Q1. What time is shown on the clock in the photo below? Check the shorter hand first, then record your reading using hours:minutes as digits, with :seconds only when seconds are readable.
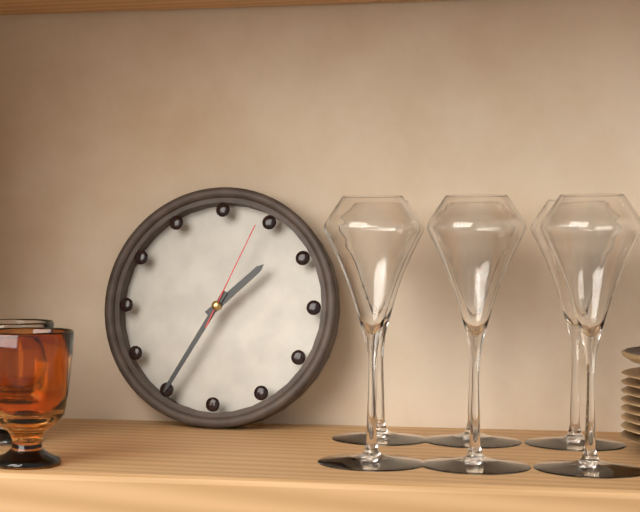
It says 1:35:04
